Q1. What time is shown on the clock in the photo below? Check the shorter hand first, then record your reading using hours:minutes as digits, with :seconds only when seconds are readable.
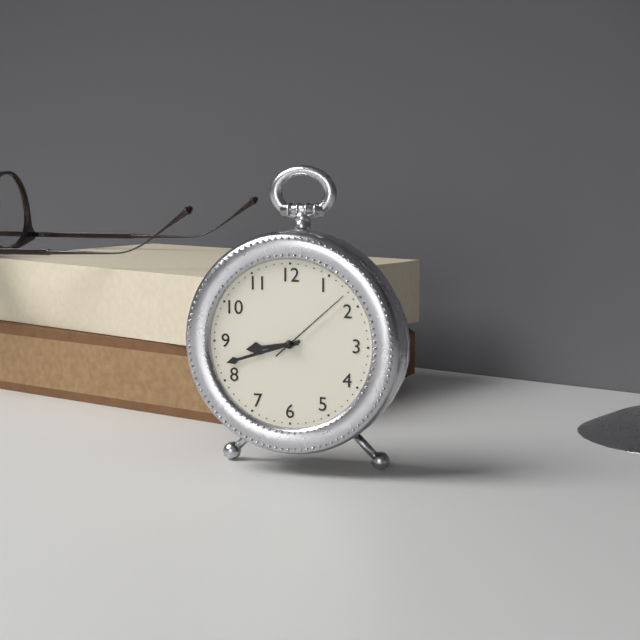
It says 8:42:08
